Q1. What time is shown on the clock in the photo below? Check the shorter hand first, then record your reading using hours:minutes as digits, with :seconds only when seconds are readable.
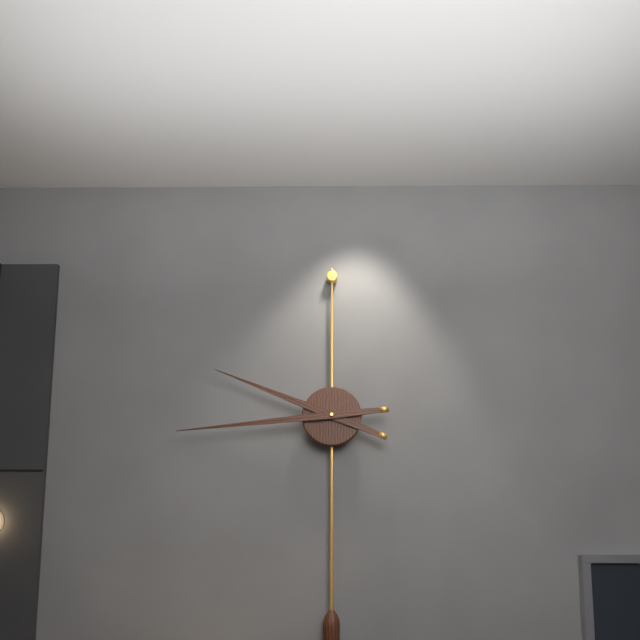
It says 9:44
